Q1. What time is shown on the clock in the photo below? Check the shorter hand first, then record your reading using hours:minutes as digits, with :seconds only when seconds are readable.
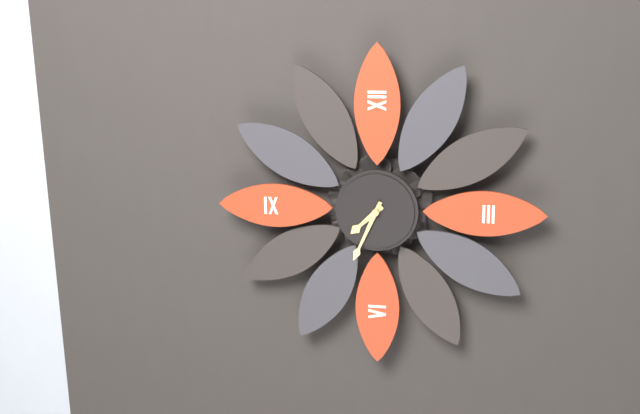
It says 7:34
